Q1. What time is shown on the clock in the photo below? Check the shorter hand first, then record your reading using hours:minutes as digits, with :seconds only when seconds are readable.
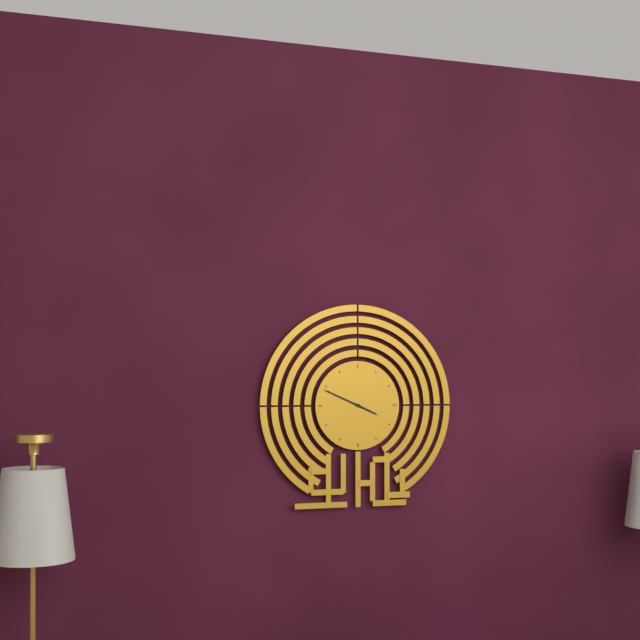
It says 3:49
